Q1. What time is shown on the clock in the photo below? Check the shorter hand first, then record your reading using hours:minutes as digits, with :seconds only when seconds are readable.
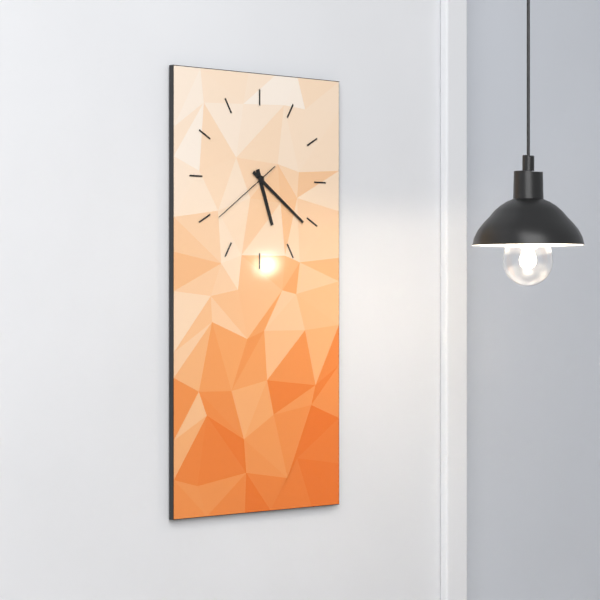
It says 5:21:39
